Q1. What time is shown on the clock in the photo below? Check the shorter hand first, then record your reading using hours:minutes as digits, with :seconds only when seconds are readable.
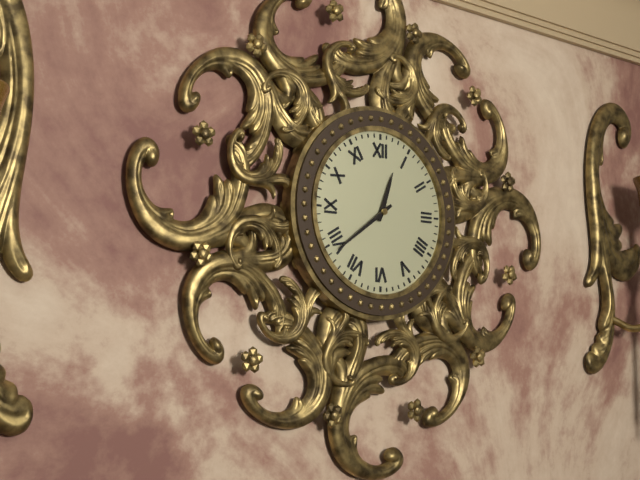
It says 12:39
